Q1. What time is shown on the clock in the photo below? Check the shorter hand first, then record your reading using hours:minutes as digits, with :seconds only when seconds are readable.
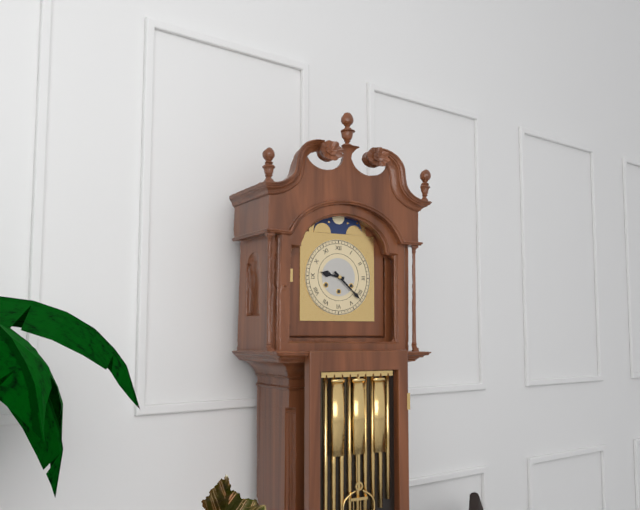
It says 9:22
